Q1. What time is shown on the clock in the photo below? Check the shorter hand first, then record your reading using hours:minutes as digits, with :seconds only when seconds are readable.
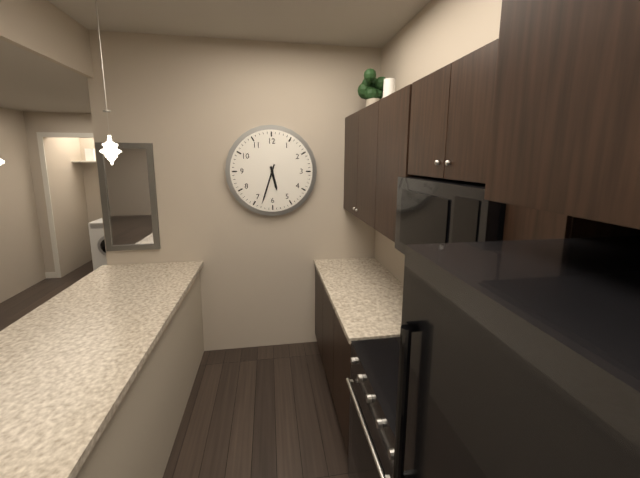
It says 5:33
